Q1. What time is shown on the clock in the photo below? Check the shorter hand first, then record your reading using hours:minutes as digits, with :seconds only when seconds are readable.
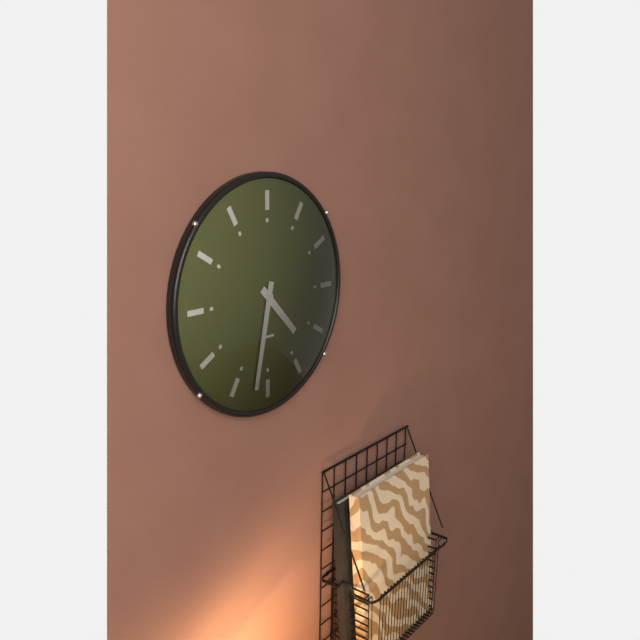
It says 4:32
